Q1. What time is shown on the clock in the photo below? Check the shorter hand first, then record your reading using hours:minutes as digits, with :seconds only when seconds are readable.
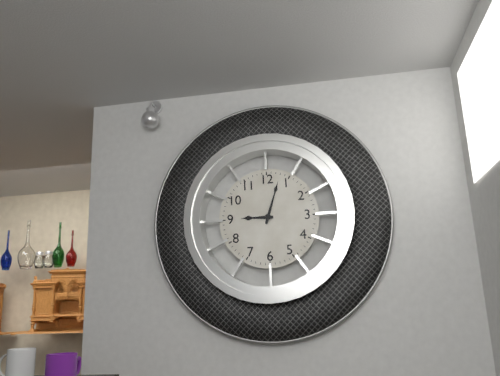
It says 9:03
